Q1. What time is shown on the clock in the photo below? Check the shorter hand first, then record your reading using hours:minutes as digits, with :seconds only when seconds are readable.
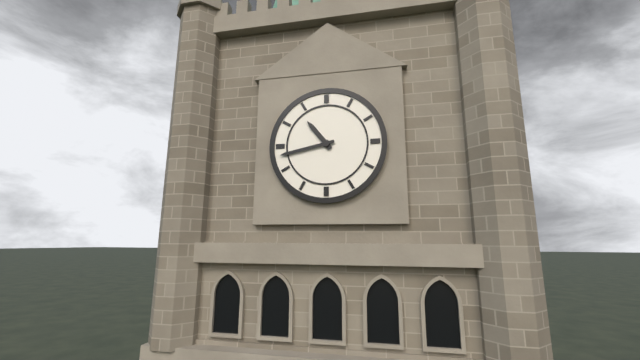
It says 10:43
